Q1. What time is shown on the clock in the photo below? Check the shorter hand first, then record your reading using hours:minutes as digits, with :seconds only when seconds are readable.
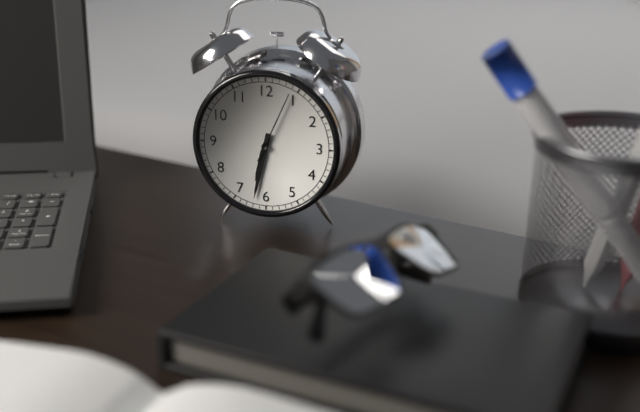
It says 6:32:04
